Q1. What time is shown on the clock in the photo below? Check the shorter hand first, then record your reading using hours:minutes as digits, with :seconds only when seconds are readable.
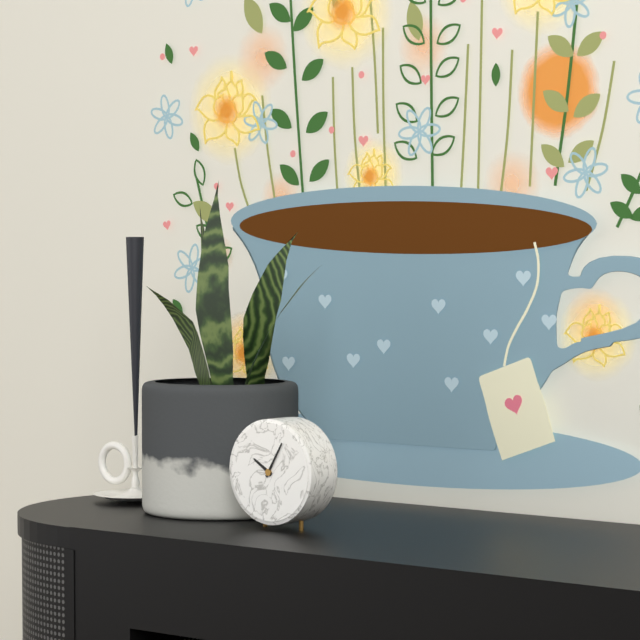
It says 10:05
